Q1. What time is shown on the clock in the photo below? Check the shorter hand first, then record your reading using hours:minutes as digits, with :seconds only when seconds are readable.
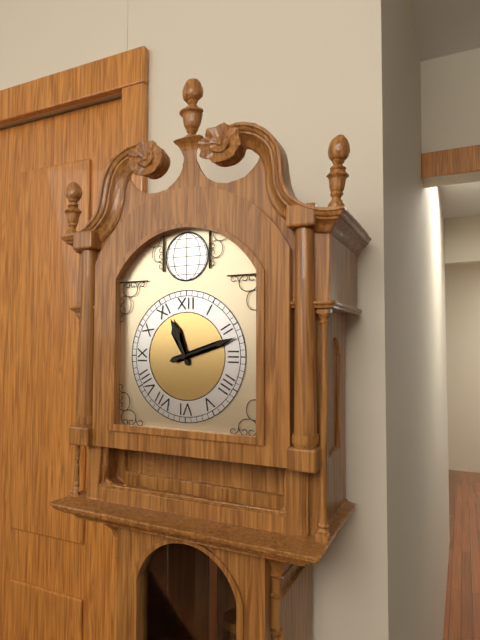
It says 11:12
